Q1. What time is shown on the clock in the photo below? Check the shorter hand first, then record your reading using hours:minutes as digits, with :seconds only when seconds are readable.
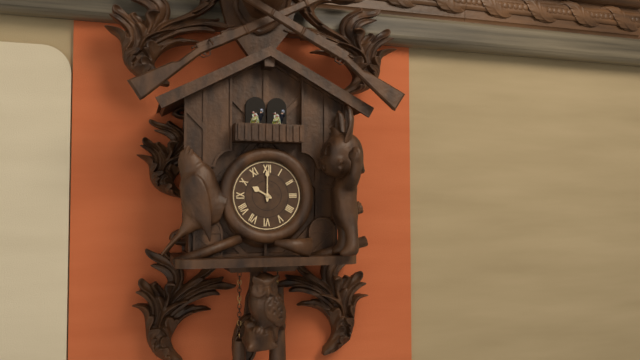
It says 10:00
